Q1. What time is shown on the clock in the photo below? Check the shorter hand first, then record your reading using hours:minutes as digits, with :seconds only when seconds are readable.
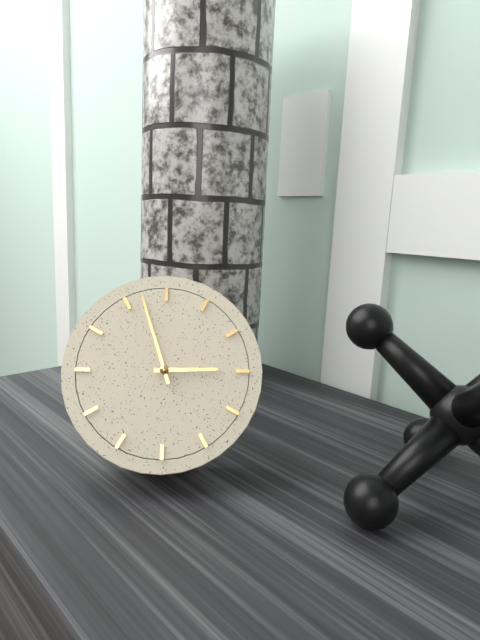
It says 2:57
